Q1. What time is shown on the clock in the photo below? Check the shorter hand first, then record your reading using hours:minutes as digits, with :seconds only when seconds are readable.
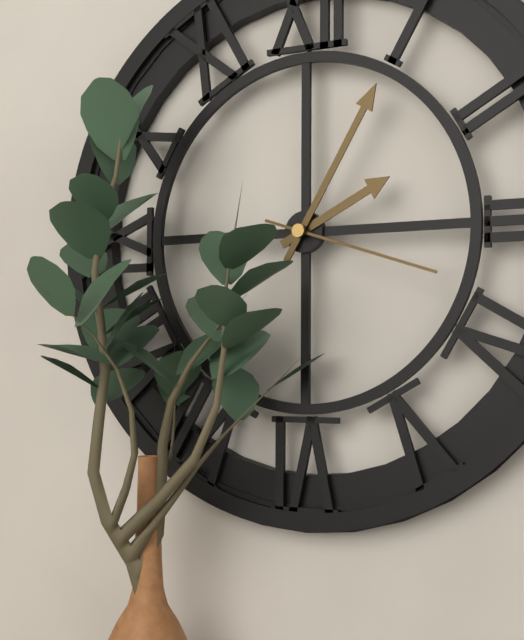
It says 2:05:18
